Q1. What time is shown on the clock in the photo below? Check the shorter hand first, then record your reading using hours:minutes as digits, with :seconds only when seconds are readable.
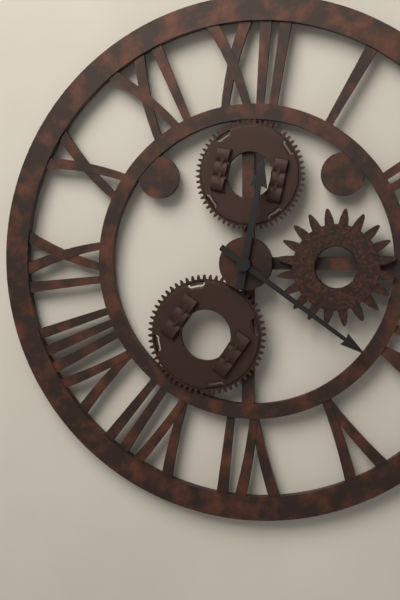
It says 12:21
